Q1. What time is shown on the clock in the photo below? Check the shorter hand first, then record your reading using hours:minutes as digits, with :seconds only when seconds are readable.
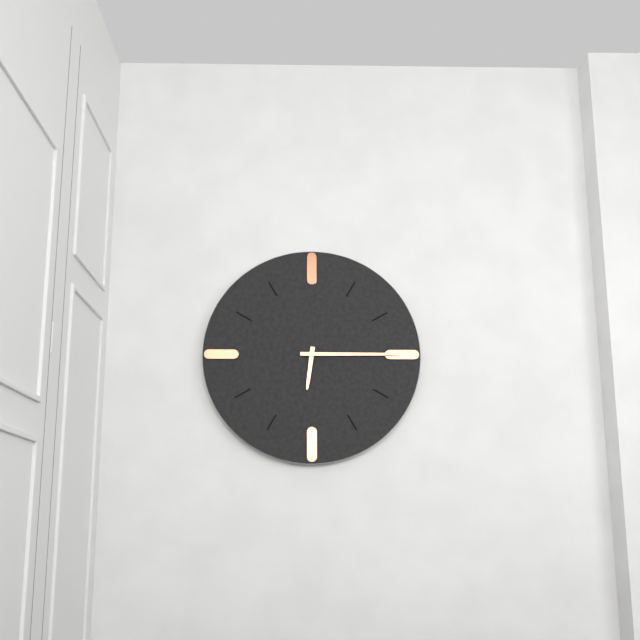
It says 6:15
